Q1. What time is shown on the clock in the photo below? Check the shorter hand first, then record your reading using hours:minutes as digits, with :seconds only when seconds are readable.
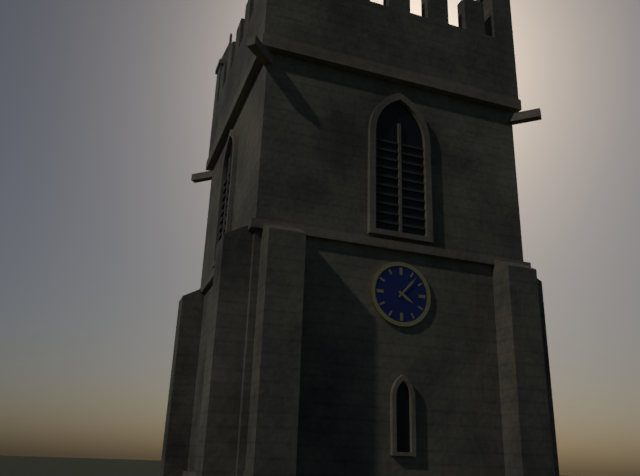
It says 4:07
